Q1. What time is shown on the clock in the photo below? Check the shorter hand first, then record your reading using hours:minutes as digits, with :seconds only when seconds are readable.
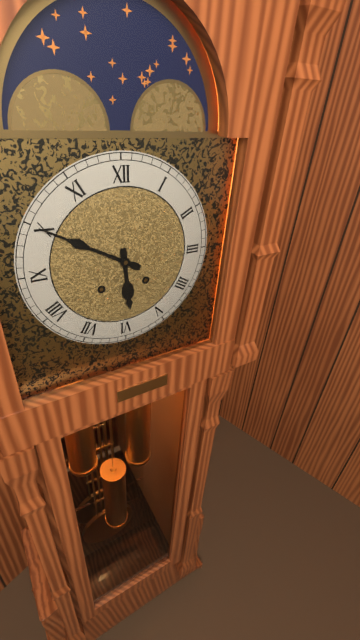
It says 5:50
